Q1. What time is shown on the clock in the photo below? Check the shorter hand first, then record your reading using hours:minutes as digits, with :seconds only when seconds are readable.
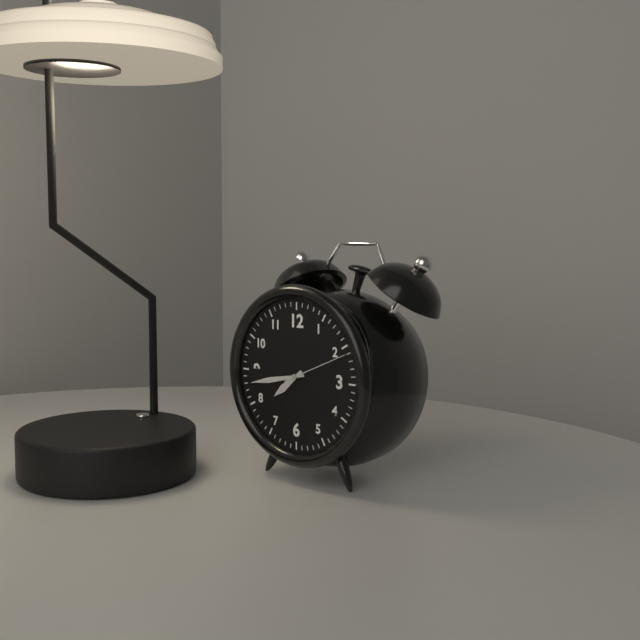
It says 7:43:11
